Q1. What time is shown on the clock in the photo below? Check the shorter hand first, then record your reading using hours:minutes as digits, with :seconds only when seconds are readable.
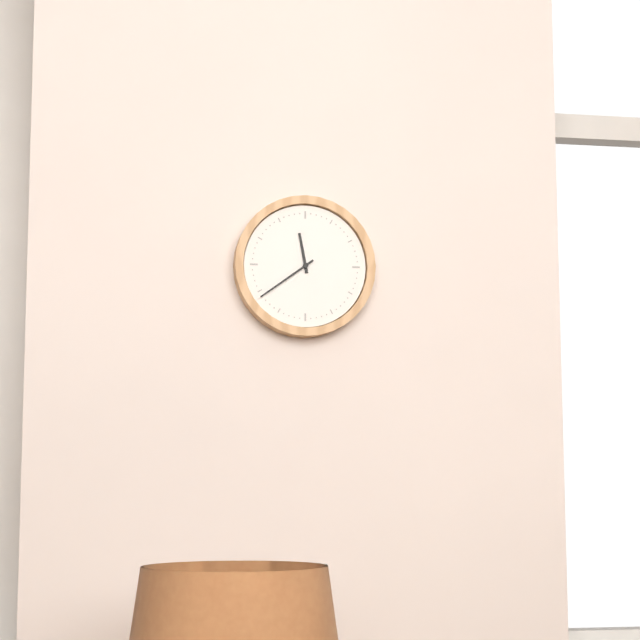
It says 11:39
